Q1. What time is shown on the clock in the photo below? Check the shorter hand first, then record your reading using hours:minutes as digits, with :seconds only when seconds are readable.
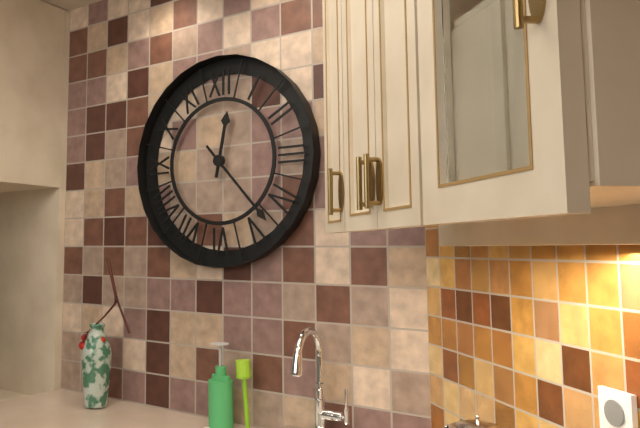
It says 12:23
